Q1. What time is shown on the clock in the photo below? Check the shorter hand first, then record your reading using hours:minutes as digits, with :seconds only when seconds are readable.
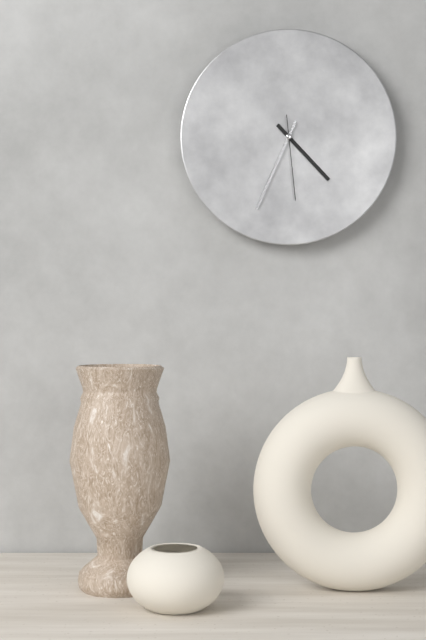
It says 4:34:29
